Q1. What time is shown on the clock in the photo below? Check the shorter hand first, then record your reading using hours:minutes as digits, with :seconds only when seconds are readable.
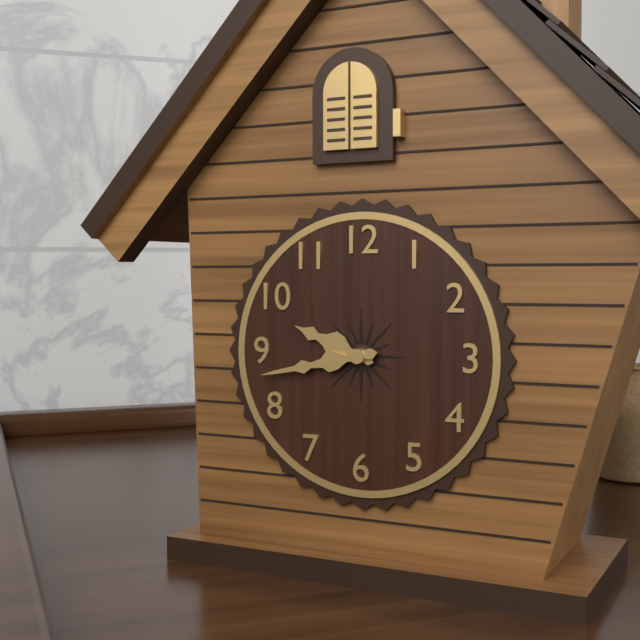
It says 9:43
